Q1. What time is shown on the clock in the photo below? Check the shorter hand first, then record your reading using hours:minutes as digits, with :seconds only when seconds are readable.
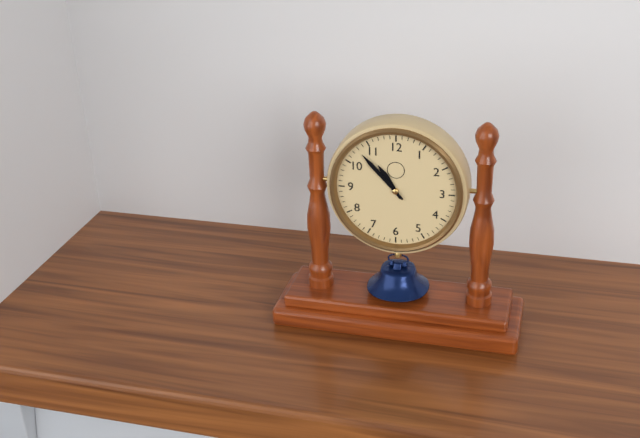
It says 10:53
